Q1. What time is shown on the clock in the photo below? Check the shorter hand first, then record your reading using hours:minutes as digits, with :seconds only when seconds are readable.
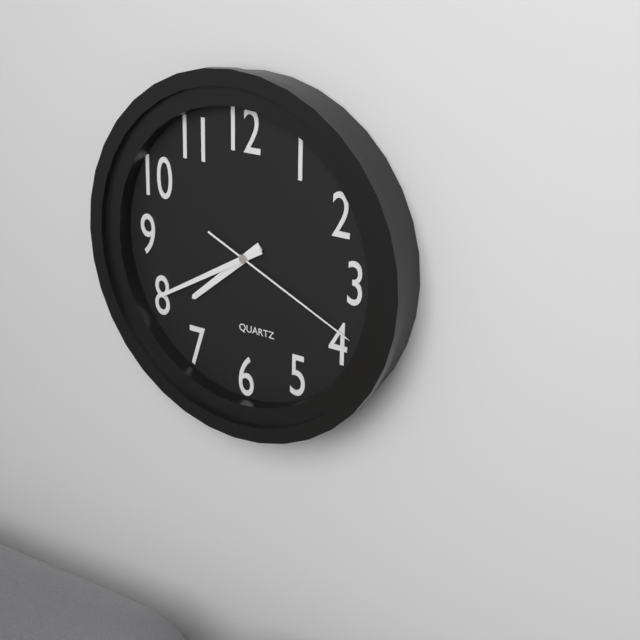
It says 7:40:19
